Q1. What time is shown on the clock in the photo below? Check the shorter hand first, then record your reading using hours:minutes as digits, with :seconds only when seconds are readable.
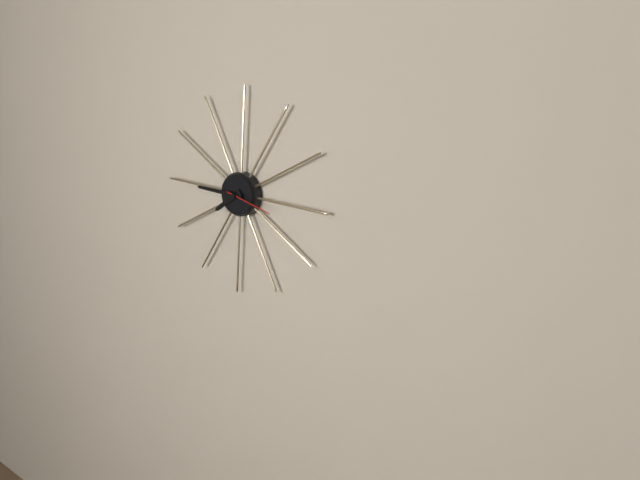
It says 7:45
